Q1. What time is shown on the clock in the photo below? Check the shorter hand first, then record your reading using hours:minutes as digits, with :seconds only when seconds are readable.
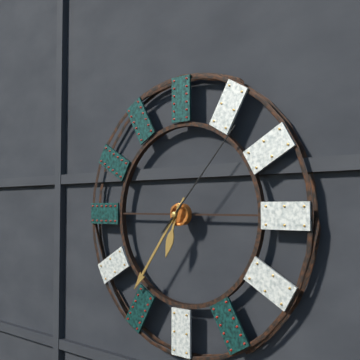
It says 6:36:07
